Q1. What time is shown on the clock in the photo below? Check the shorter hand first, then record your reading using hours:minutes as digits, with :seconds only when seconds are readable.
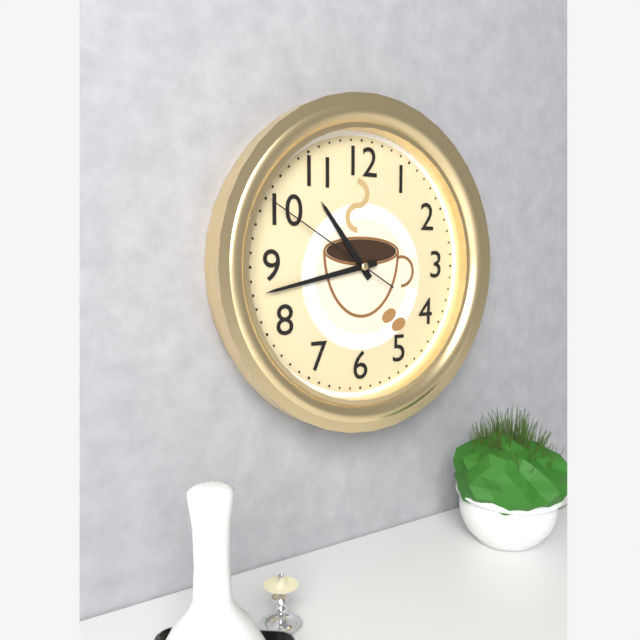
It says 10:43:50
